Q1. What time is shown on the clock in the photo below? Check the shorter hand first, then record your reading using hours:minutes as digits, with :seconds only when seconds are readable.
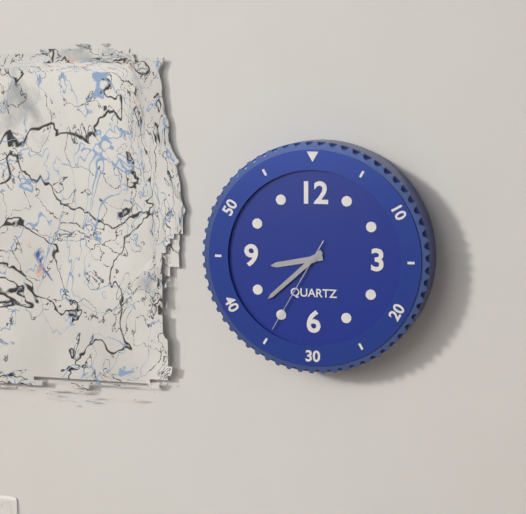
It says 8:38:35
